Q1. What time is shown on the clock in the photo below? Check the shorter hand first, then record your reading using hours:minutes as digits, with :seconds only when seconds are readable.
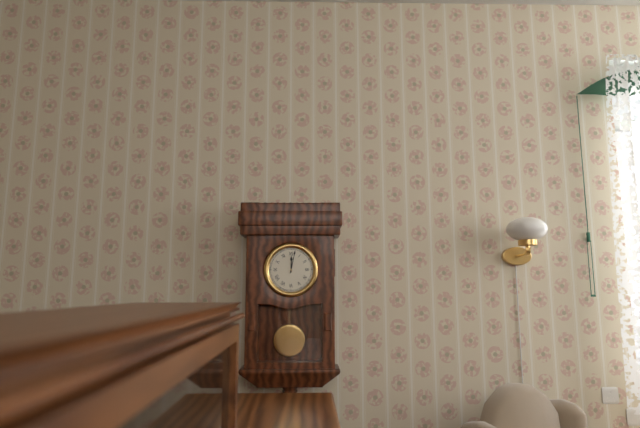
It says 12:02
